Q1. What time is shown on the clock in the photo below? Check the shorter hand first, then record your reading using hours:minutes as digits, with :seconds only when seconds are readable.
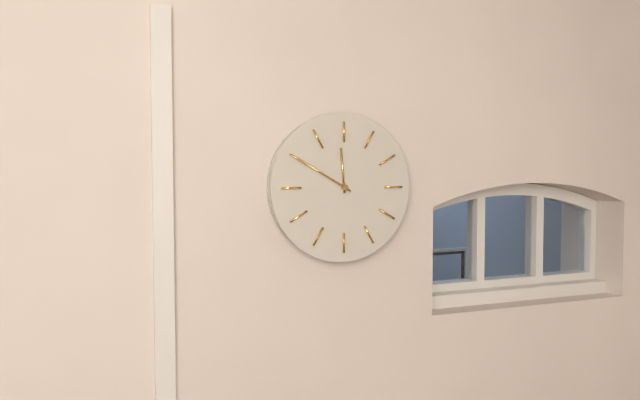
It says 11:50
